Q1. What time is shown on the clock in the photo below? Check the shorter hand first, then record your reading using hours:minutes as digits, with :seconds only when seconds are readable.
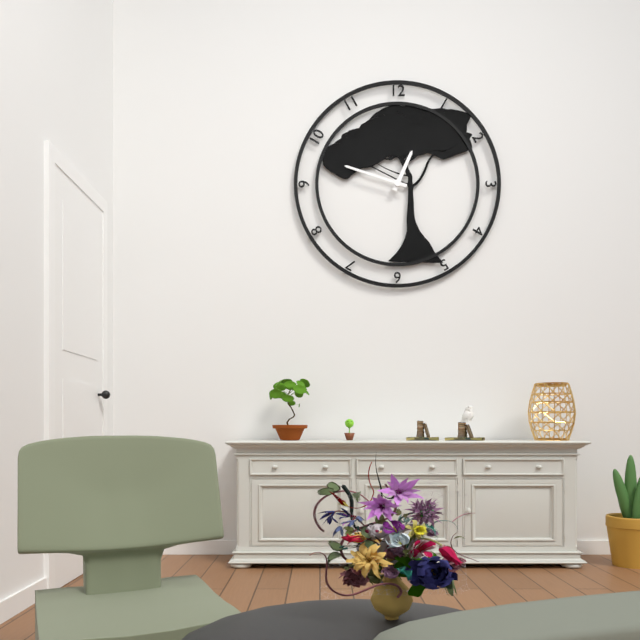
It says 12:48
